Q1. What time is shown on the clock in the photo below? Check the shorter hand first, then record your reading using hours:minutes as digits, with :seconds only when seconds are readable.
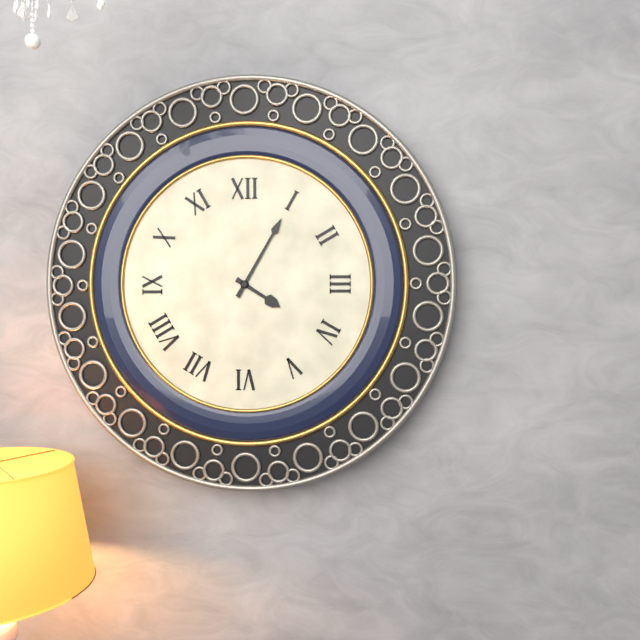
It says 4:05
